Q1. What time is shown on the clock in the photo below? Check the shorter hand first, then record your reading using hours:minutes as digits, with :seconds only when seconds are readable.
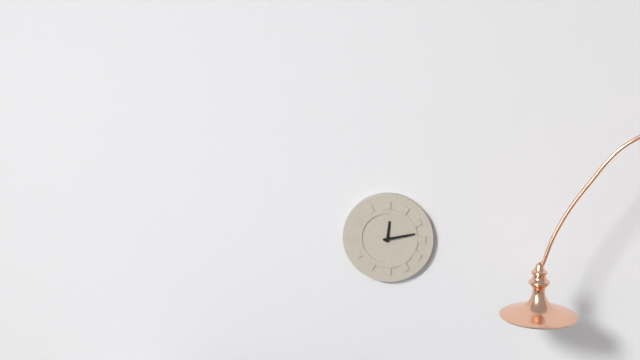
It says 12:13
